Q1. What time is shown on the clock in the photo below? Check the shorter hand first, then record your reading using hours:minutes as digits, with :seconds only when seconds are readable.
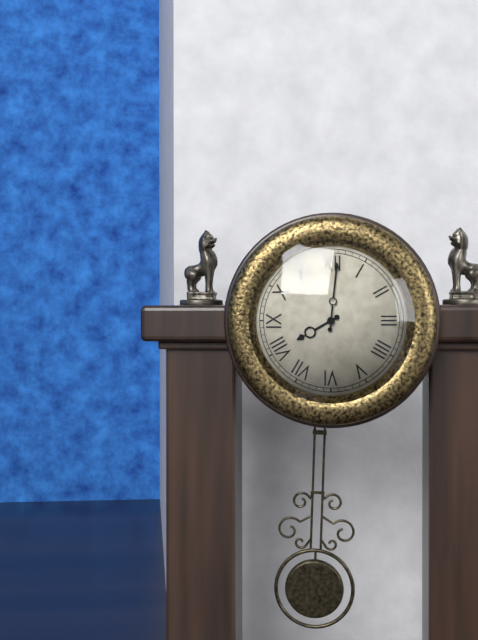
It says 8:01
